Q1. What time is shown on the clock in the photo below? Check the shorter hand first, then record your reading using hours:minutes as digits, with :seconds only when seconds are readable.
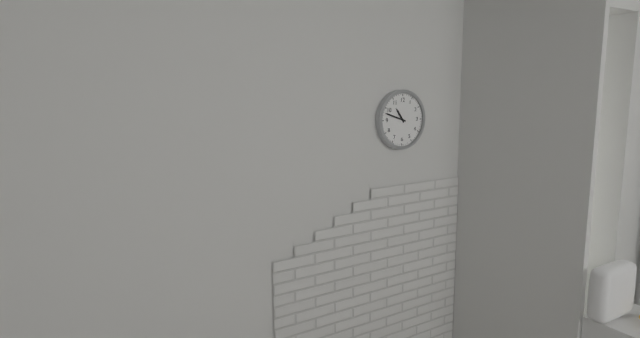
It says 10:48
